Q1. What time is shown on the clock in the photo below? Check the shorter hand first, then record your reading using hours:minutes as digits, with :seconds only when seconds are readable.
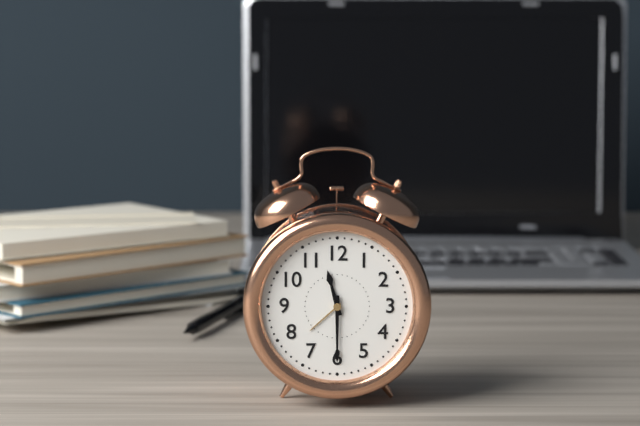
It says 11:30
